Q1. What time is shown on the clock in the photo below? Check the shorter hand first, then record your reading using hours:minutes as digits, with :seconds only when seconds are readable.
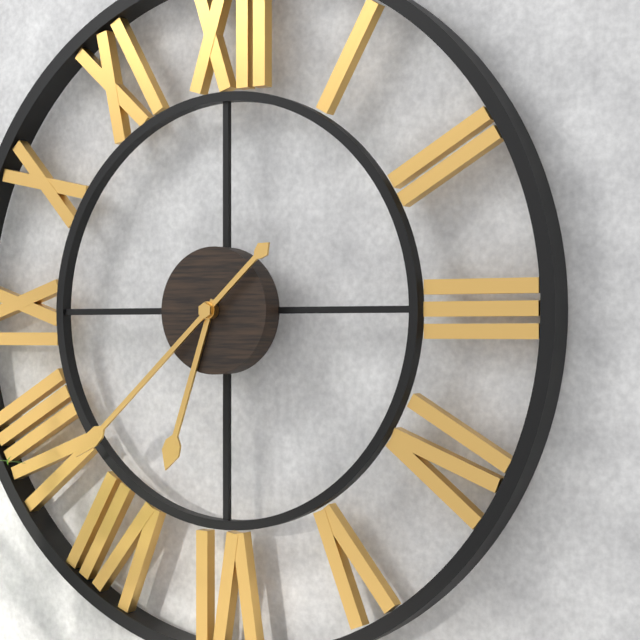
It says 6:38
